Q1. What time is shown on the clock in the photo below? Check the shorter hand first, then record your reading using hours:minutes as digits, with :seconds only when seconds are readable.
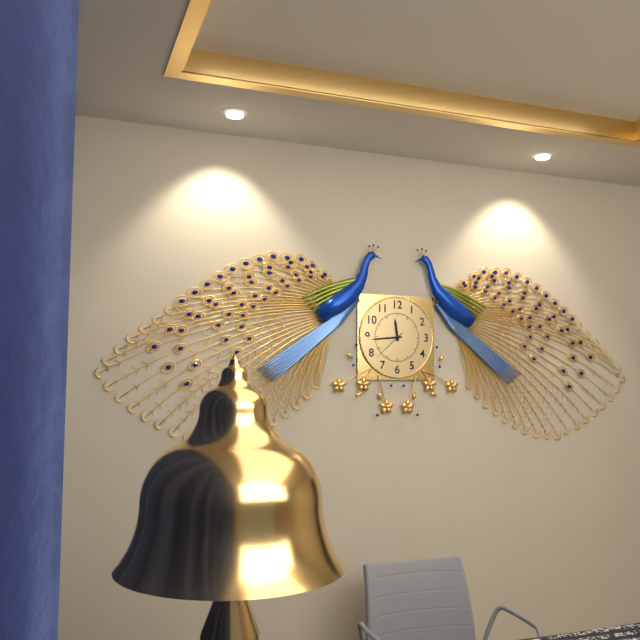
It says 11:44
